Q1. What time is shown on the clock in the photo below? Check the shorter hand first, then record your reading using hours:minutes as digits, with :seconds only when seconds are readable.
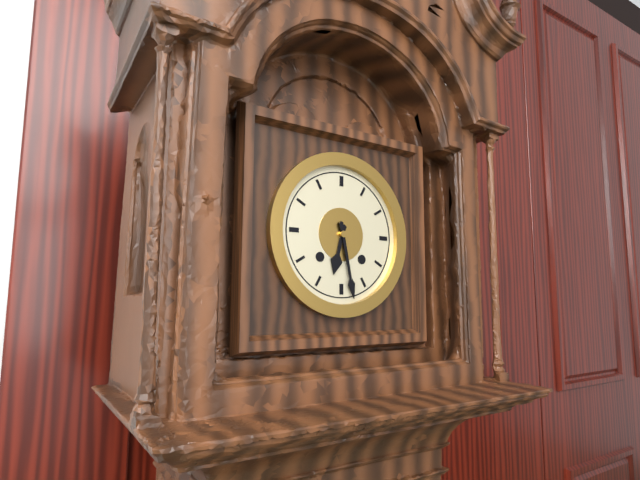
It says 6:28
